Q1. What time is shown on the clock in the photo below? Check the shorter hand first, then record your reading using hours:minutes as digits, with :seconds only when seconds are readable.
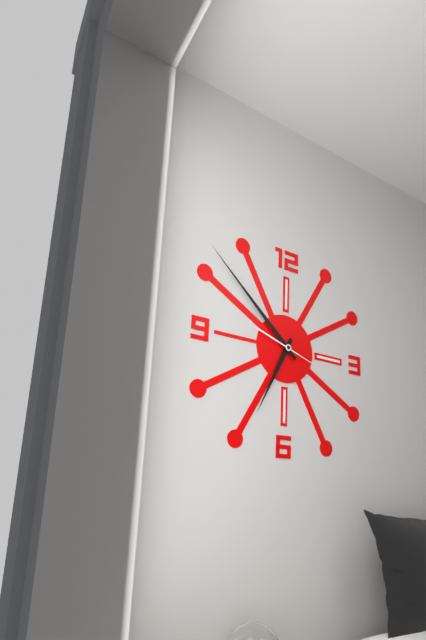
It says 6:52:18
